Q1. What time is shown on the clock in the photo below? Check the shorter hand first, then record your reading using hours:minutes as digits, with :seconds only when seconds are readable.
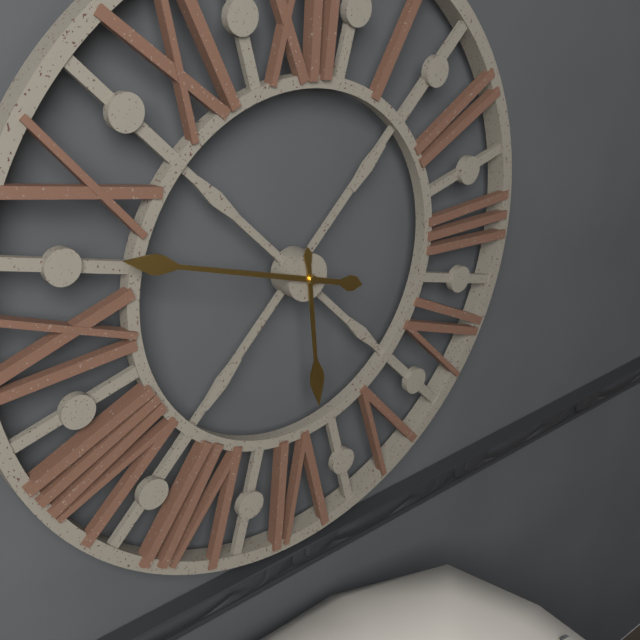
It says 5:48
